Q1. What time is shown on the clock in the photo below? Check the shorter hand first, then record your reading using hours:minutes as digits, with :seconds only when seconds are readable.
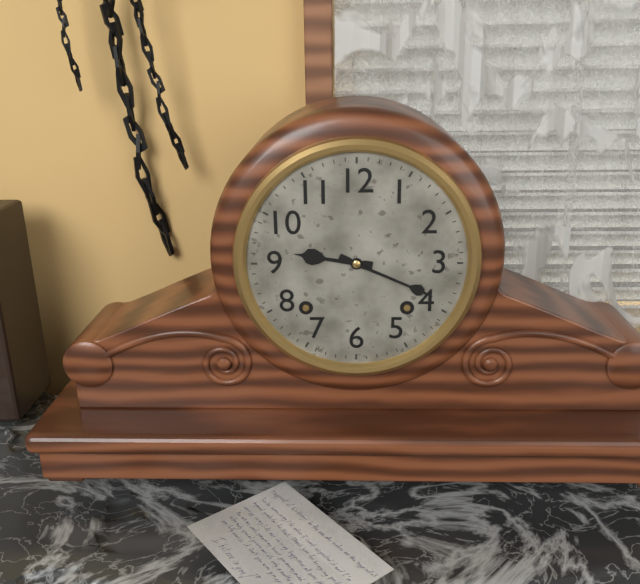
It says 9:19
